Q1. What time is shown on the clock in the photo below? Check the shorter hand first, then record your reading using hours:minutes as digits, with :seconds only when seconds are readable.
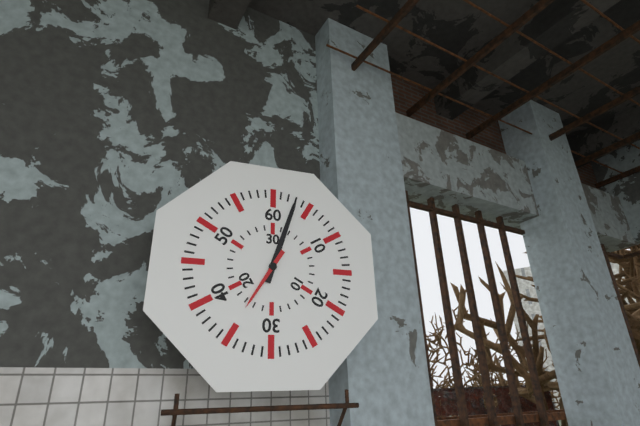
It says 7:03
